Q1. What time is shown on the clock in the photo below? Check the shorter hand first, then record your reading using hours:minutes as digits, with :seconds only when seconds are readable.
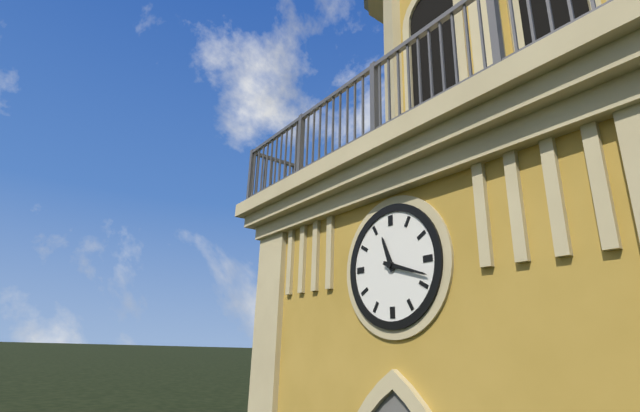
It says 11:18
